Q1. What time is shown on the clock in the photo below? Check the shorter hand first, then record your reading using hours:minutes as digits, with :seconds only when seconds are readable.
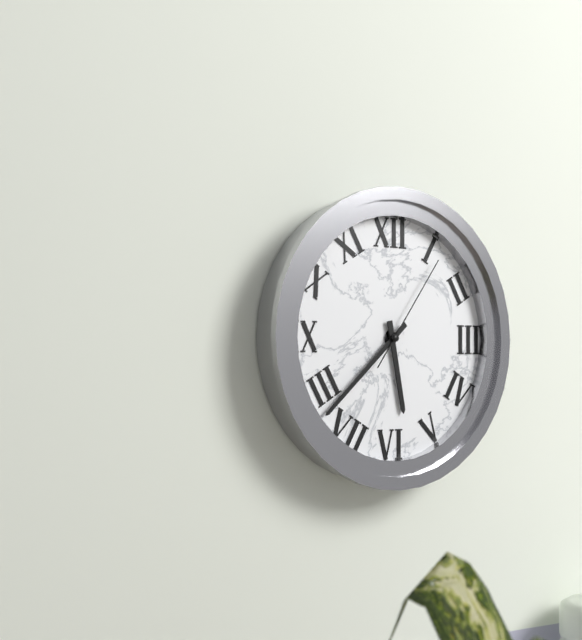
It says 5:38:06
